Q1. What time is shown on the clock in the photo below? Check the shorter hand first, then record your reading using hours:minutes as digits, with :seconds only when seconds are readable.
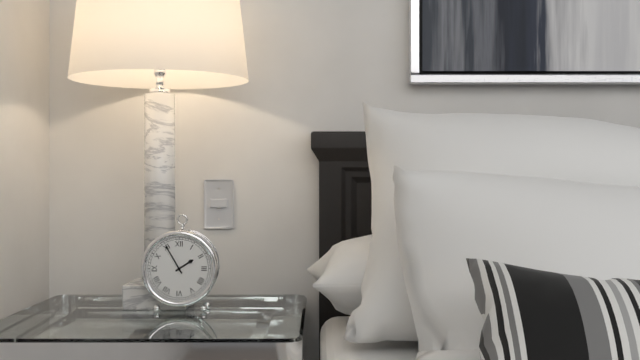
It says 1:55
